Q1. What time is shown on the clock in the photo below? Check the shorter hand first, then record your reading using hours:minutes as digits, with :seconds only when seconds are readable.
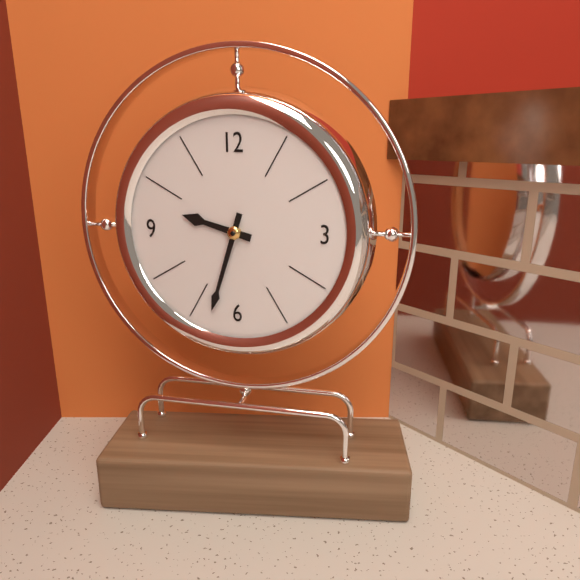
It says 9:33
